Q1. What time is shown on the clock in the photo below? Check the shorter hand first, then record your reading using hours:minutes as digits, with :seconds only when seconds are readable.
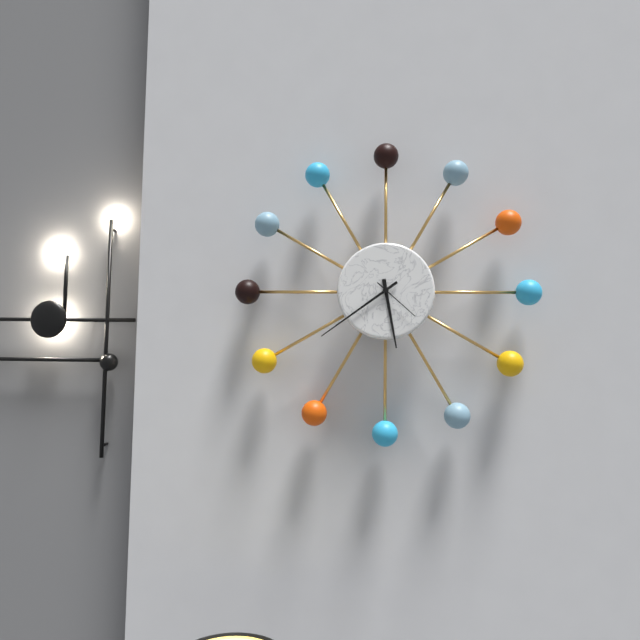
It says 5:39
